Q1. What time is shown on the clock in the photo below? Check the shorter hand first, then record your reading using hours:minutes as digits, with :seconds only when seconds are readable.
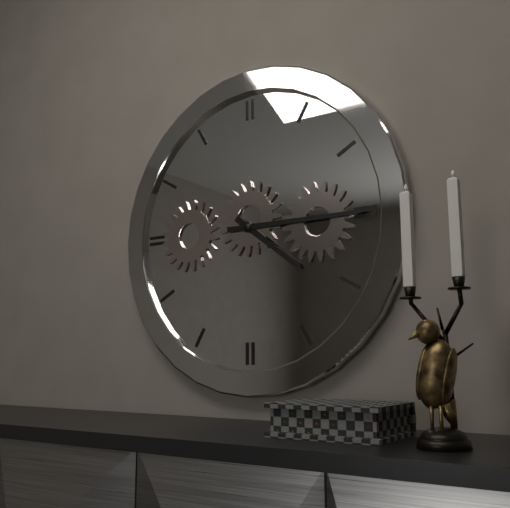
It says 4:15
